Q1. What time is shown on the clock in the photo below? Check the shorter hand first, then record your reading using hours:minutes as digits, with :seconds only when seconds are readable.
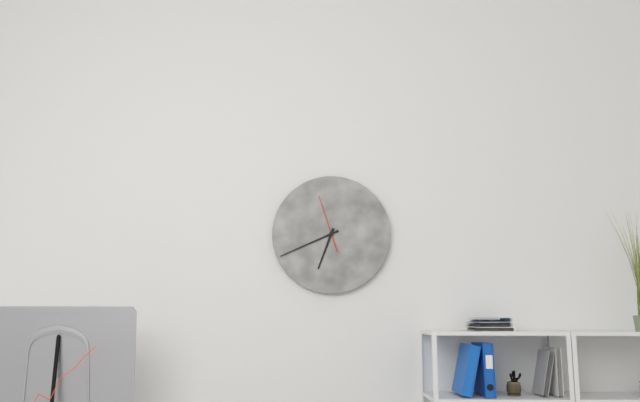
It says 6:41:57
